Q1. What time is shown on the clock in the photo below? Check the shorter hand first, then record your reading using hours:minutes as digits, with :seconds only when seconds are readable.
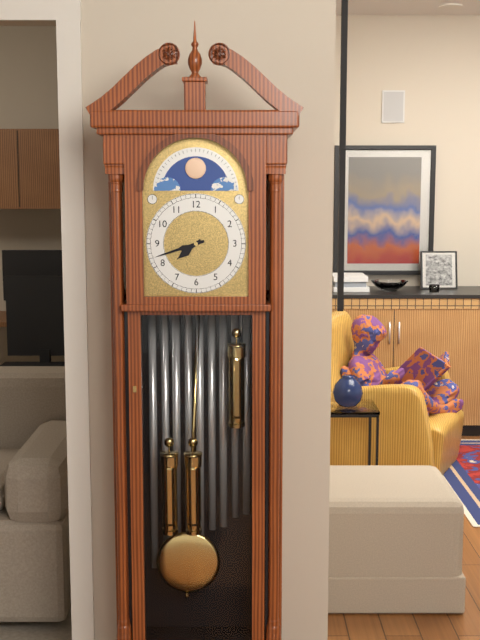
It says 7:42
